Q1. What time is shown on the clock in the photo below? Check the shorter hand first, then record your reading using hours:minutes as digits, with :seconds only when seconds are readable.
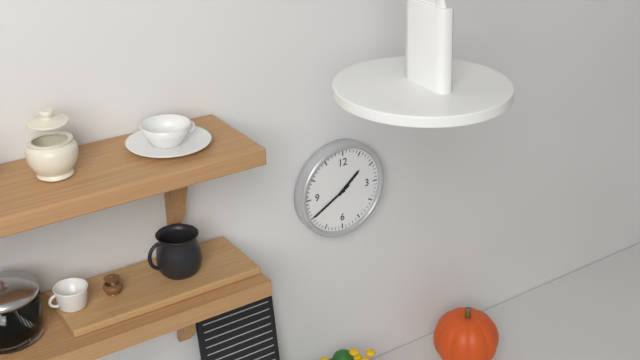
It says 1:40
